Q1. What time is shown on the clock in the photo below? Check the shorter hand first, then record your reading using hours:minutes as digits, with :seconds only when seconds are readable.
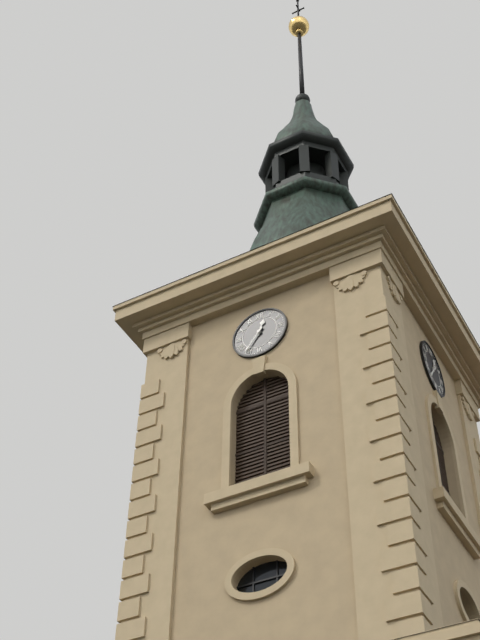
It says 12:36
